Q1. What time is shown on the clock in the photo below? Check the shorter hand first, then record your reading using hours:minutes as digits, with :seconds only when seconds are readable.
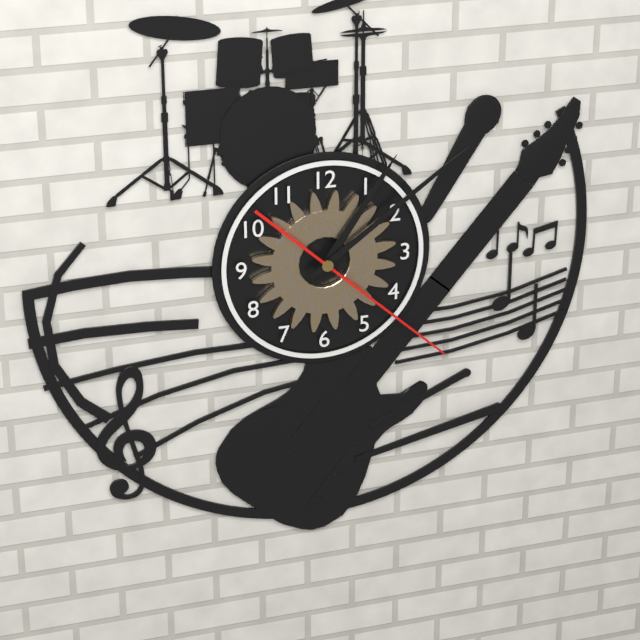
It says 1:09:22
